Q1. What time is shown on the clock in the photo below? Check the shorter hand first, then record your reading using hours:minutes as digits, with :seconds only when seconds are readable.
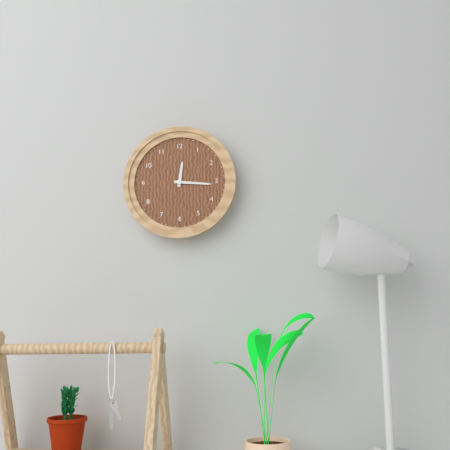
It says 12:16
